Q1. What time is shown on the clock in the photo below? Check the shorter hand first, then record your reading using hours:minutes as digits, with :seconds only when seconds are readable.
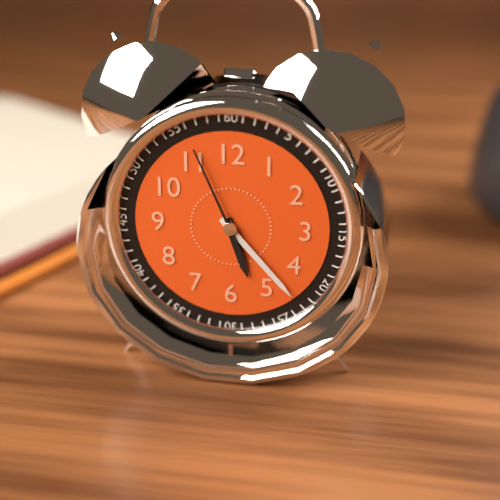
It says 5:23:56
